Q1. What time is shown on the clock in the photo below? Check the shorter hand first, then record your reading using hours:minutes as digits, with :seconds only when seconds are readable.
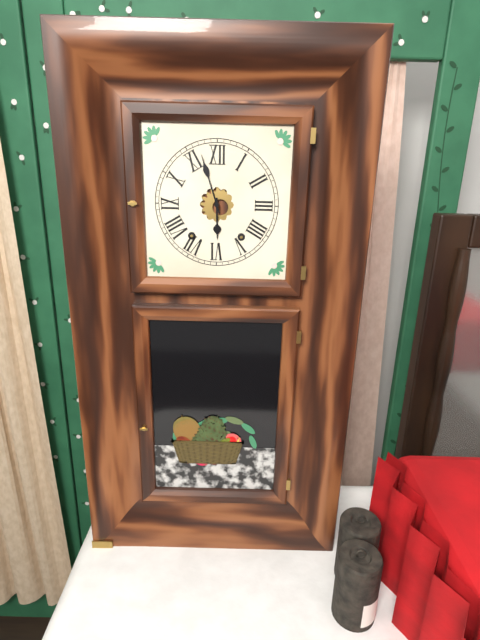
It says 5:57
